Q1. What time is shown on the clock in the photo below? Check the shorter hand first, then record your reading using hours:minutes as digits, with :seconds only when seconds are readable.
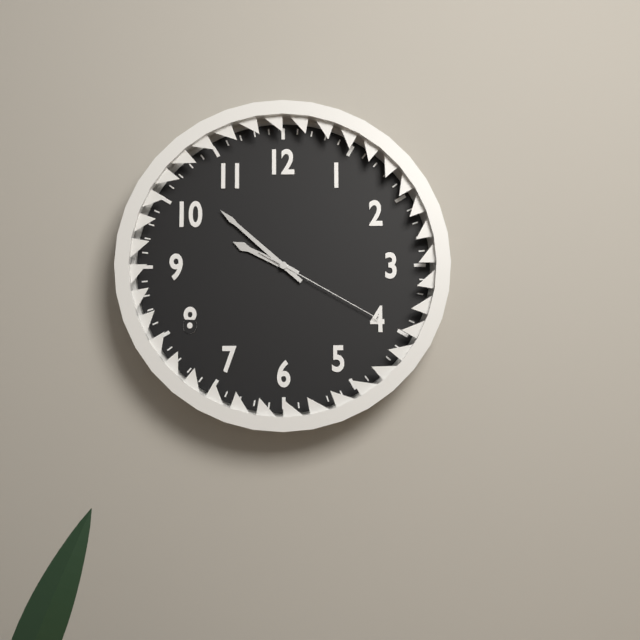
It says 9:52:20
